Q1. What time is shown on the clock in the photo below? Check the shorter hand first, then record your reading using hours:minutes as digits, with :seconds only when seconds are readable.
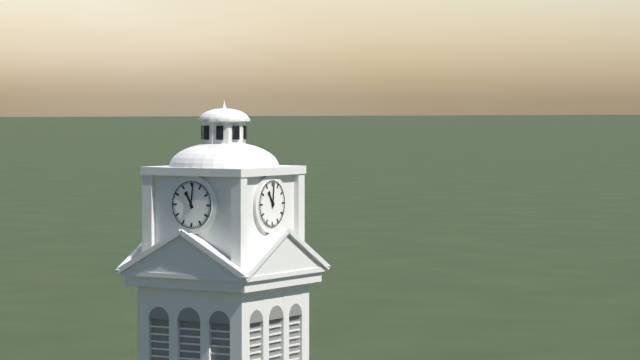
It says 11:01
